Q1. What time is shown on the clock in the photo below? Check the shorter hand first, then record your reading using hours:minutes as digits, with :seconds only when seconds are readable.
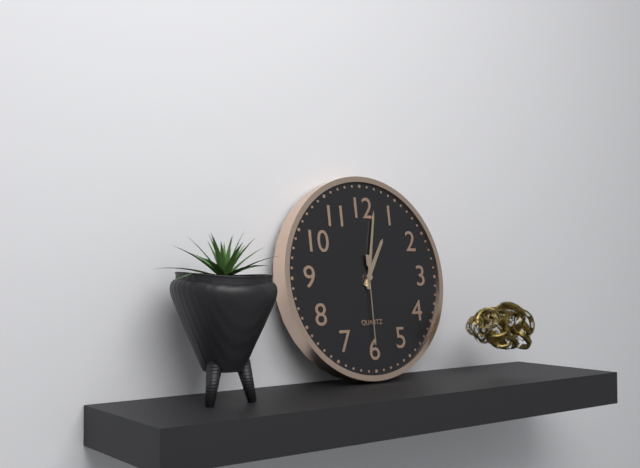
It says 1:02:30
